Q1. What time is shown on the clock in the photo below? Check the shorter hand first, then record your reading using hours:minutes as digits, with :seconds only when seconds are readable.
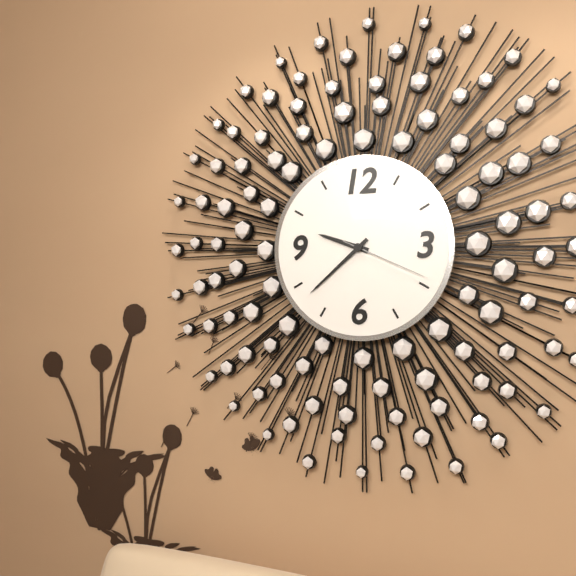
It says 9:38:19
